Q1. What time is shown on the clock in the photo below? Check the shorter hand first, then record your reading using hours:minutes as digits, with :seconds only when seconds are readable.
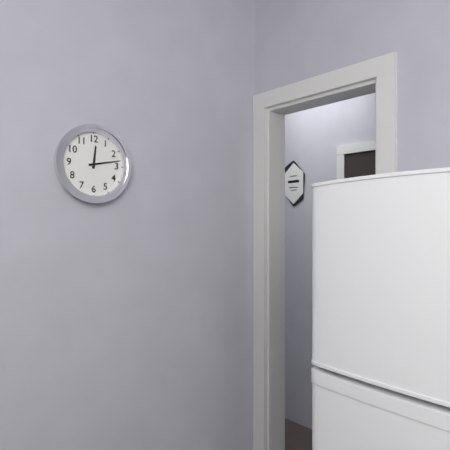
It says 12:13
